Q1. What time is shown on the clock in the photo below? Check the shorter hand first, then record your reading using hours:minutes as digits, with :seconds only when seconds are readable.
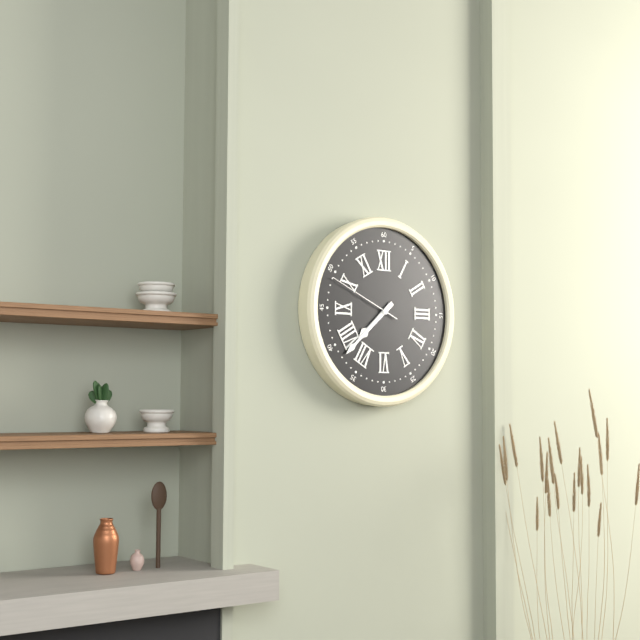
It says 7:38:49
